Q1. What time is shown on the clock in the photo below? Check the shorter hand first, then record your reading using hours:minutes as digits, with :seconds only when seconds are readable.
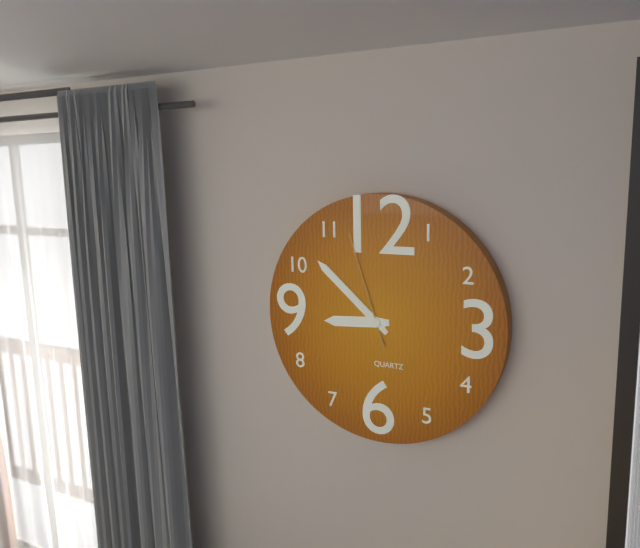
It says 8:52:57
